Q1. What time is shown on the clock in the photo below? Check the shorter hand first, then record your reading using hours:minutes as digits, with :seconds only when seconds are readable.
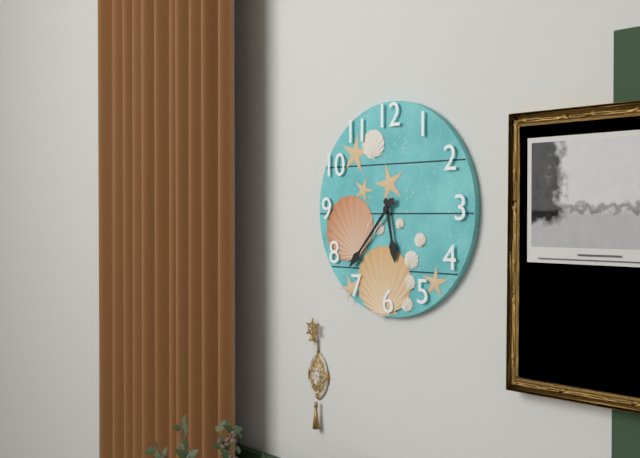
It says 5:37
